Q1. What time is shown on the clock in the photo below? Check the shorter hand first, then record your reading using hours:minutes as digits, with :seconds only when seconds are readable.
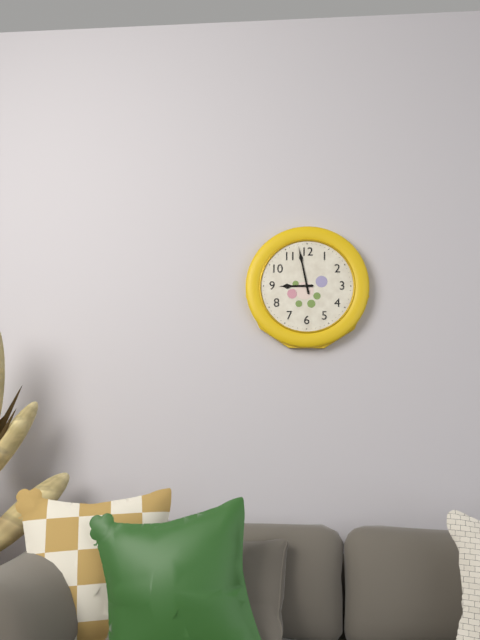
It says 8:58
